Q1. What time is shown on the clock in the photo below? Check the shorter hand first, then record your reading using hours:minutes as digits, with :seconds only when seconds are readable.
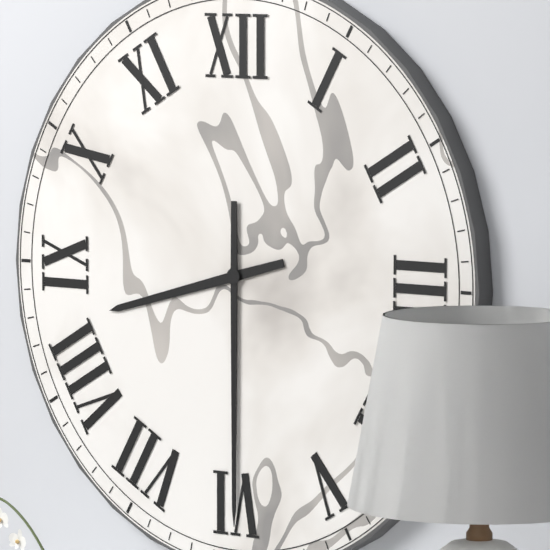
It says 8:30
